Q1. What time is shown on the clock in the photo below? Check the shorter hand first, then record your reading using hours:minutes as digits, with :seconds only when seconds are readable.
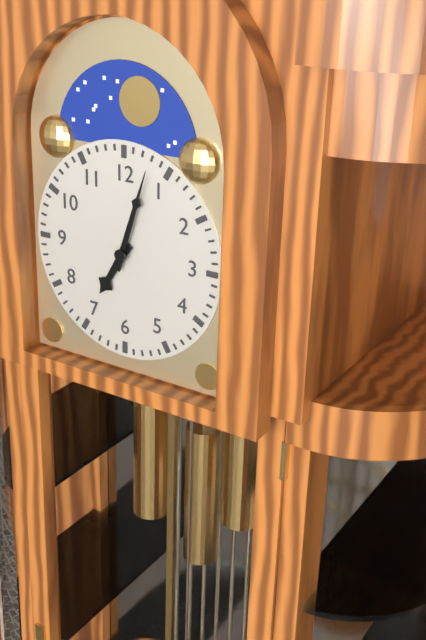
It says 7:03
